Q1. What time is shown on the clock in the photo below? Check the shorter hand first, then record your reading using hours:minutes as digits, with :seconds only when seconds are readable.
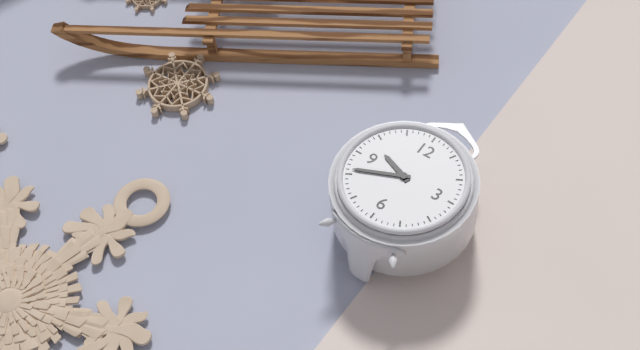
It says 9:41
